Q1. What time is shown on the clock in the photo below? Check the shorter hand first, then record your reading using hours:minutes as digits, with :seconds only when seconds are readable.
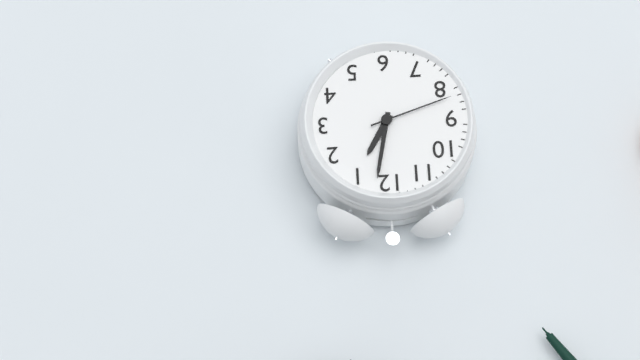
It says 1:02:42
